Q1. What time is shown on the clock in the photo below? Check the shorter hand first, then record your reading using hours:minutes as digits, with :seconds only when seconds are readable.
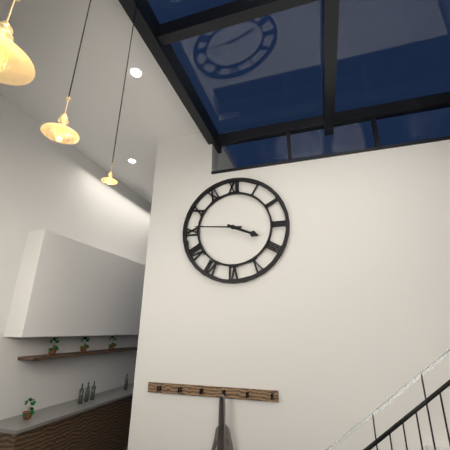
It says 3:46
